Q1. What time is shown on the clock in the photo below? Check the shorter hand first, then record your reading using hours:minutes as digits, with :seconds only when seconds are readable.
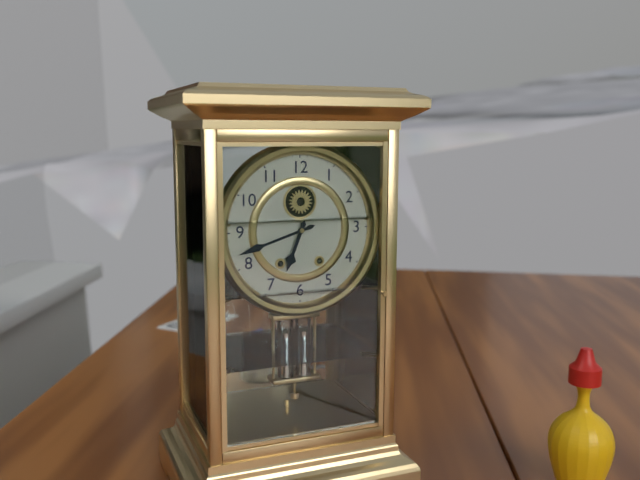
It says 6:42
